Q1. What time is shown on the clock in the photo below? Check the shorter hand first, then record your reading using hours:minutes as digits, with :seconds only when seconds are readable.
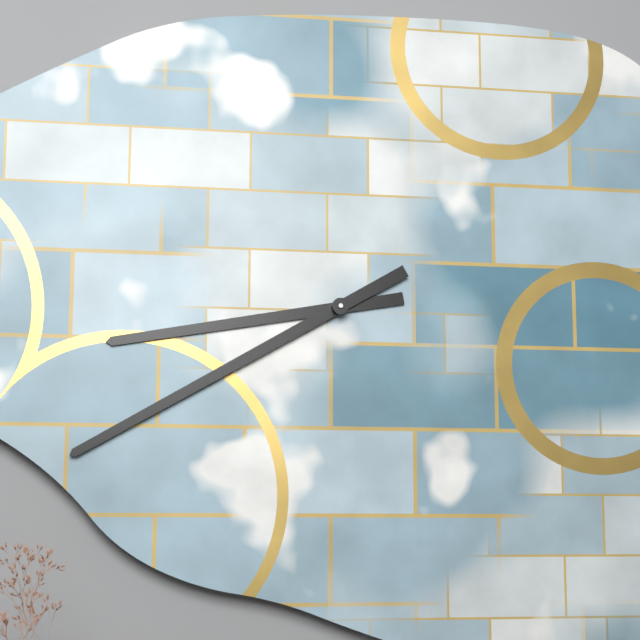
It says 8:40
